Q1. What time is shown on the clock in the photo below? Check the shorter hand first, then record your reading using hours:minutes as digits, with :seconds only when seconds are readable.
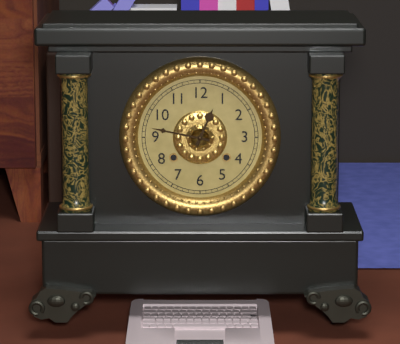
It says 12:47
